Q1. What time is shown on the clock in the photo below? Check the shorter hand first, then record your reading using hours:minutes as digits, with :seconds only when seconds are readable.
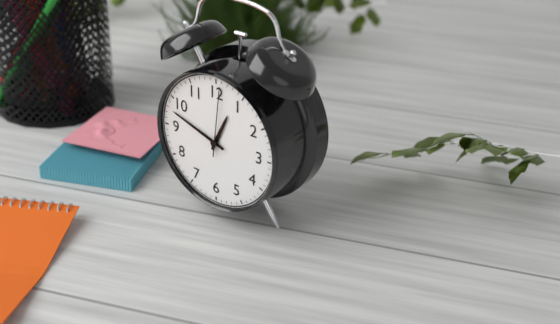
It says 12:48:01
